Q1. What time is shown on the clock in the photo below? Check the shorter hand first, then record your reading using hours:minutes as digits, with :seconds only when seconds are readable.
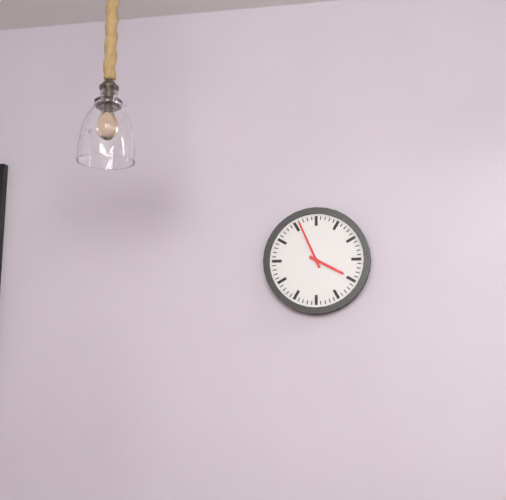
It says 3:56
